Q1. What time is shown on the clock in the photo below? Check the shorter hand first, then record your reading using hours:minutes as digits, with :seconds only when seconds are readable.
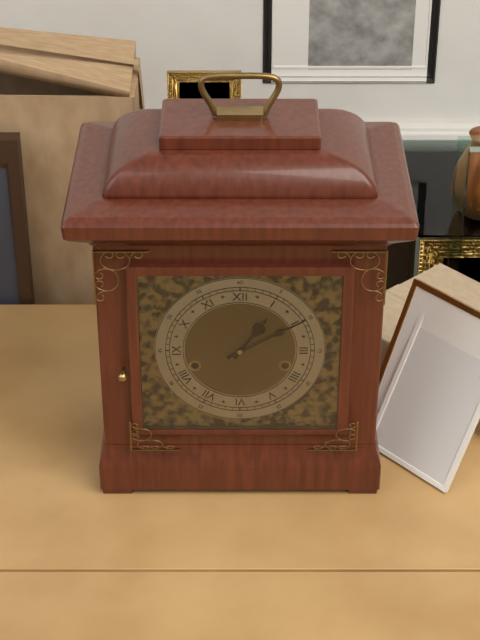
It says 1:10
